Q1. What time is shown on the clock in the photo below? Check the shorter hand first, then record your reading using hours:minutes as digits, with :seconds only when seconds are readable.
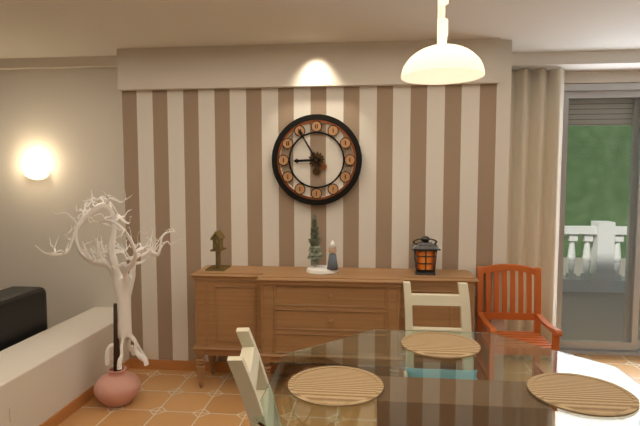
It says 8:55
